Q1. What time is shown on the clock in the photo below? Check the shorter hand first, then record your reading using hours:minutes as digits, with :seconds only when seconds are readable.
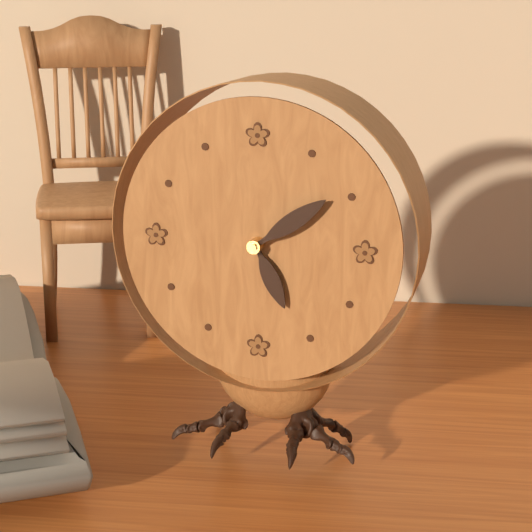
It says 5:09
